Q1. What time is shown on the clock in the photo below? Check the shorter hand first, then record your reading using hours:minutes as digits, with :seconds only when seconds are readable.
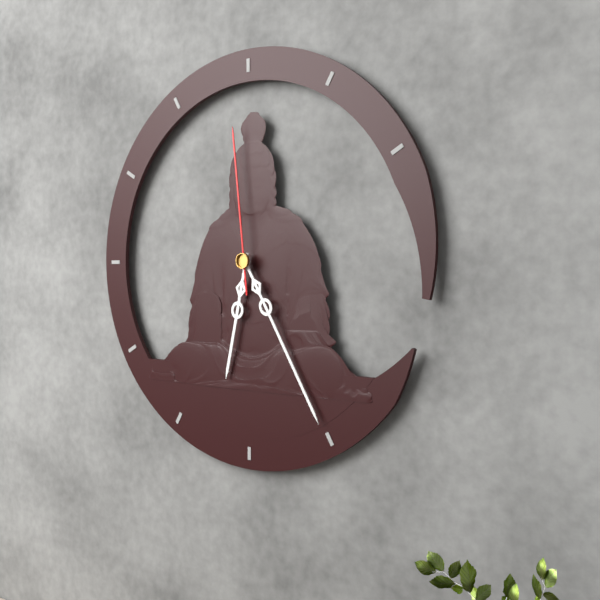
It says 6:25:59
